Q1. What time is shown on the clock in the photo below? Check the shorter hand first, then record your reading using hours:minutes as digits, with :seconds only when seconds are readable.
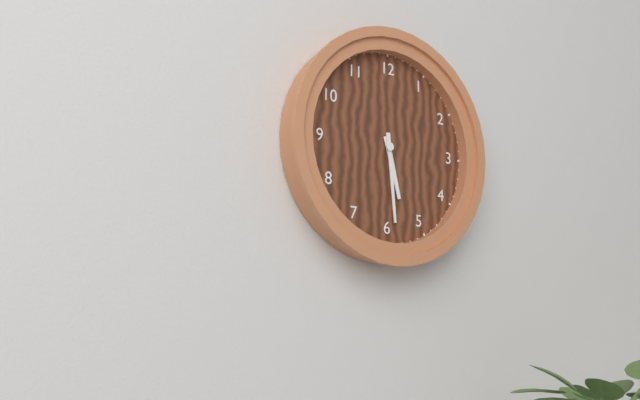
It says 5:29
